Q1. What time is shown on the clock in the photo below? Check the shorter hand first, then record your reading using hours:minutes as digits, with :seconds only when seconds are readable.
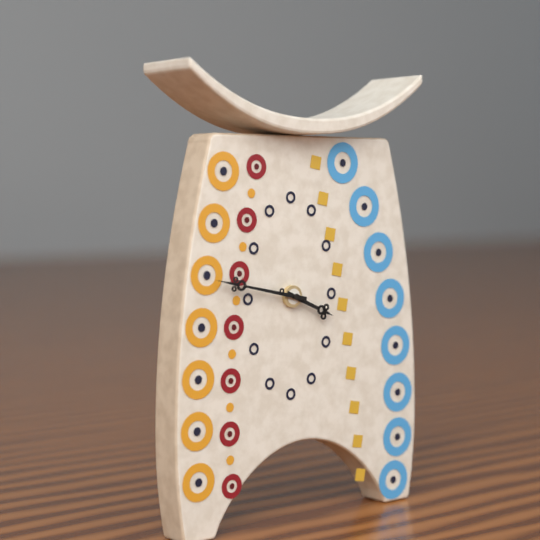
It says 3:47
